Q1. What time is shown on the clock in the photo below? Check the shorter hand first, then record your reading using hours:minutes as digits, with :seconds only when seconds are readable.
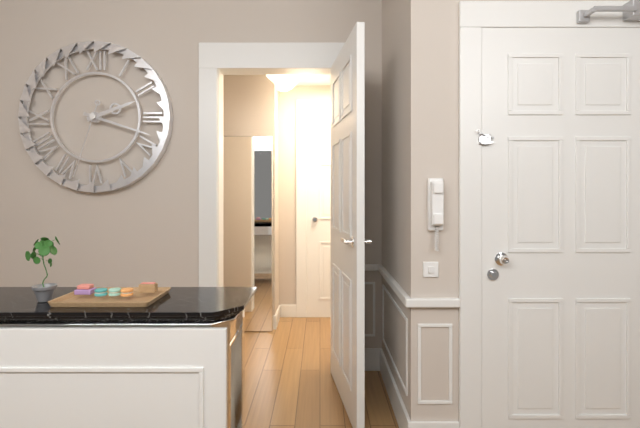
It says 2:18:33
